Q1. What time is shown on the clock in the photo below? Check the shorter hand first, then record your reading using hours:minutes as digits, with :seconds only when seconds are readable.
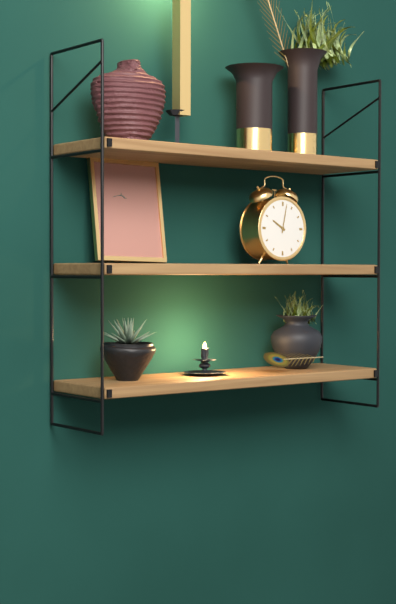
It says 10:02
